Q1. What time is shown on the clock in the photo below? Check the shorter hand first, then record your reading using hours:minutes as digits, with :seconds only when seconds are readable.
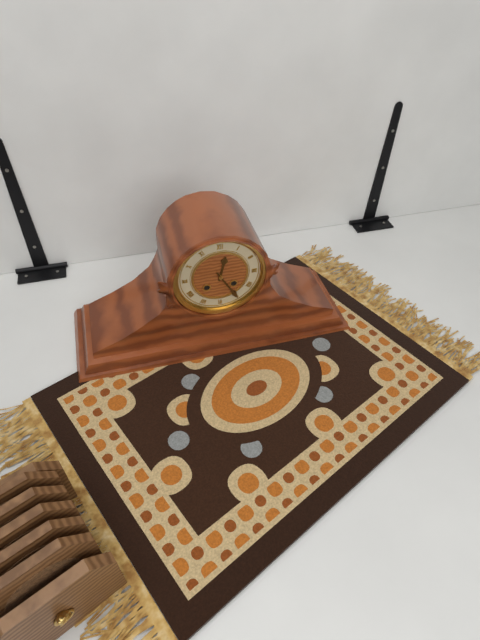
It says 12:25
